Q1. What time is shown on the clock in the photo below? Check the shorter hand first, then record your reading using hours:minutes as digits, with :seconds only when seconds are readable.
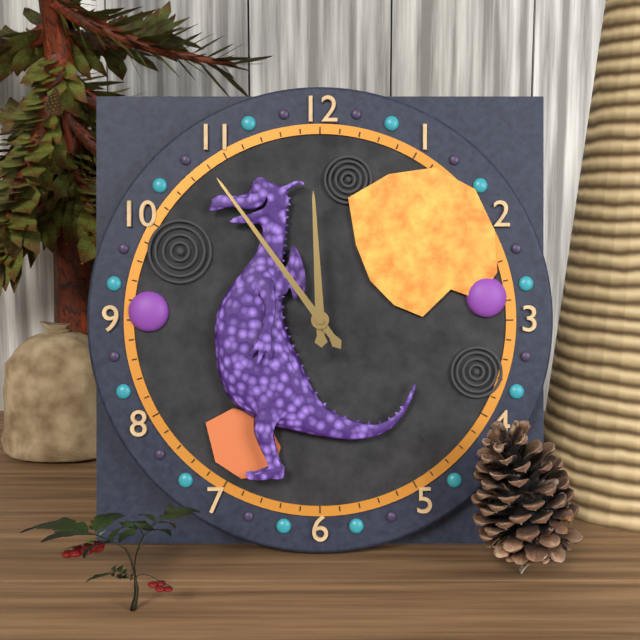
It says 11:54
